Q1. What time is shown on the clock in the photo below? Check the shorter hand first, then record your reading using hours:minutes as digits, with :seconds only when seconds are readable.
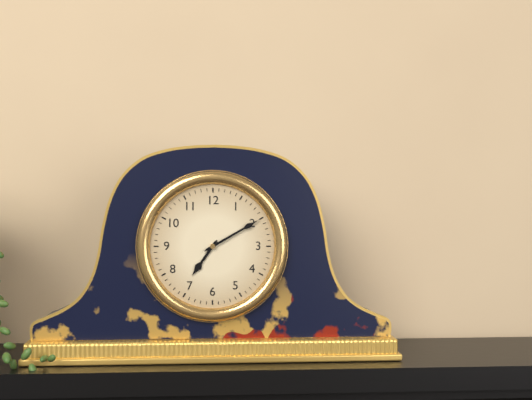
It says 7:10
